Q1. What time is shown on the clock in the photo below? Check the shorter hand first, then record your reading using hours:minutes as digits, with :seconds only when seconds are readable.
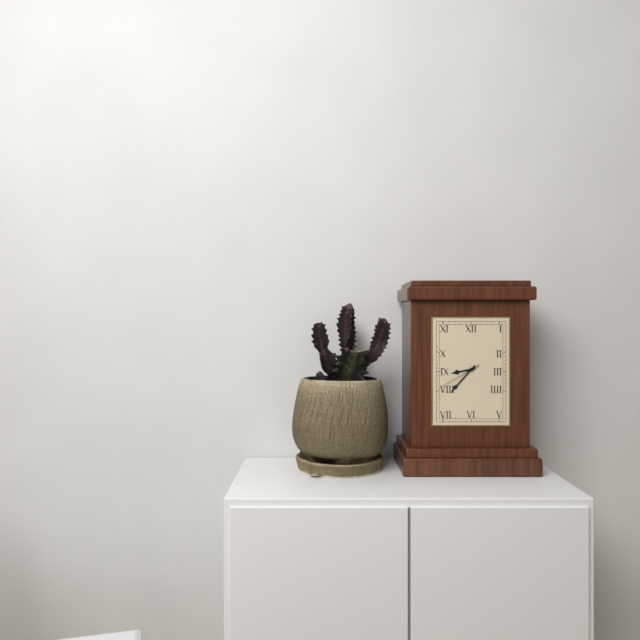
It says 8:37
